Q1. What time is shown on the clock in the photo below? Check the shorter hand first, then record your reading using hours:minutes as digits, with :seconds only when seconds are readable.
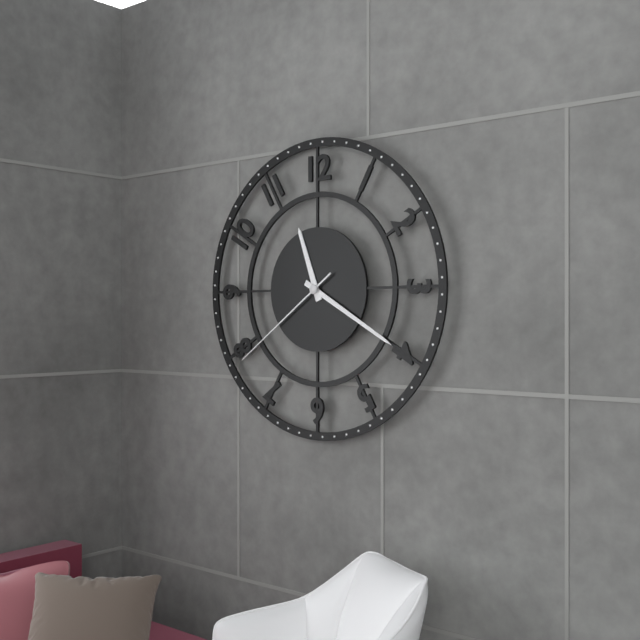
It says 11:20:39
